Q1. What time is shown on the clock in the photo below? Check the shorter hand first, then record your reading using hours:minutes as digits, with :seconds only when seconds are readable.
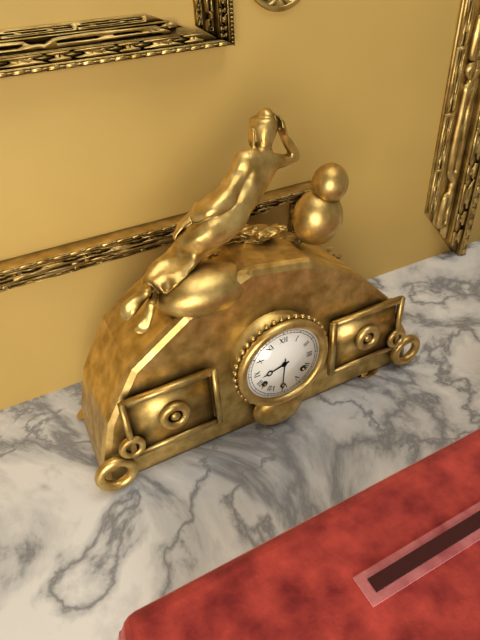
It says 8:31
